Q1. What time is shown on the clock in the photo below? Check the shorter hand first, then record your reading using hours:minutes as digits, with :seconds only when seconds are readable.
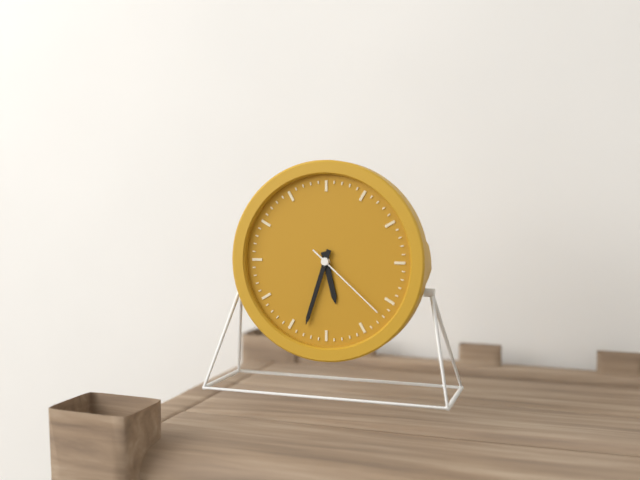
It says 5:33:22
